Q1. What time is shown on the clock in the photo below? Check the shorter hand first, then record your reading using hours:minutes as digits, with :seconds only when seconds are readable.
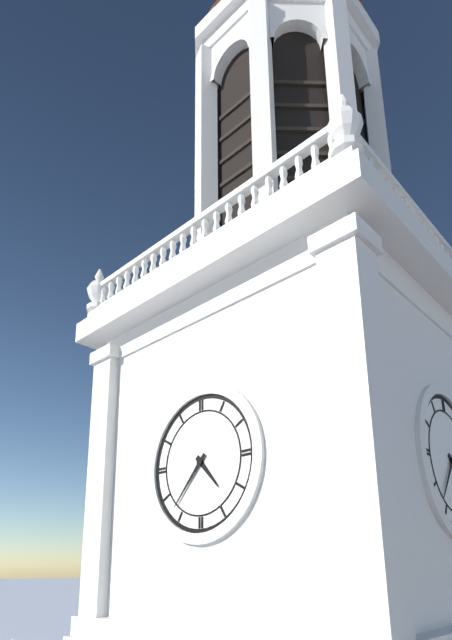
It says 4:37
